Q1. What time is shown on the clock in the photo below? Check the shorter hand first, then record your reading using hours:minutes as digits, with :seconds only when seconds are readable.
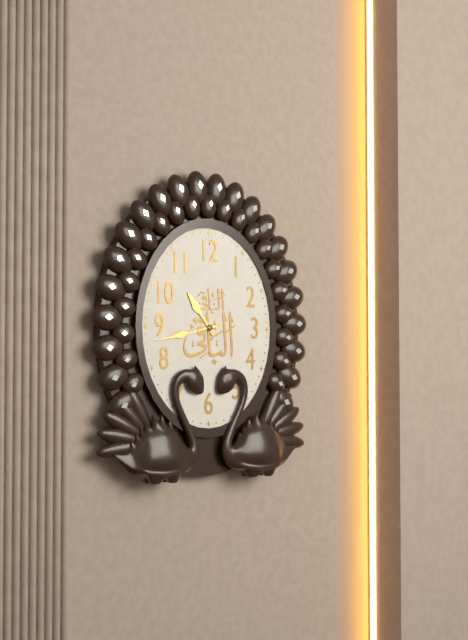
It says 10:43
